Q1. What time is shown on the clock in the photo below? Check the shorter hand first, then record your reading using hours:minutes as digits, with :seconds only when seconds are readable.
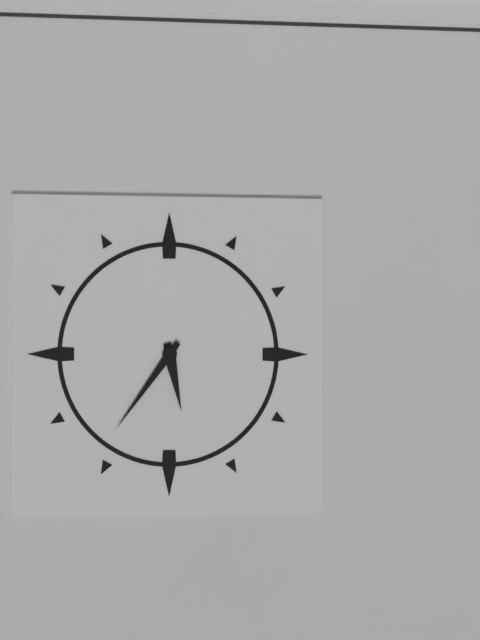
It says 5:36
